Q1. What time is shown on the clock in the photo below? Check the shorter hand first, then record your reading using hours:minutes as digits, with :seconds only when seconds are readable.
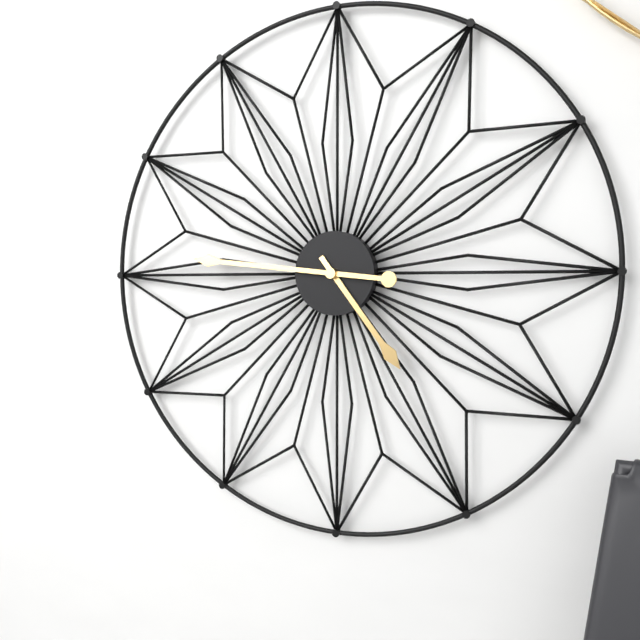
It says 4:46
